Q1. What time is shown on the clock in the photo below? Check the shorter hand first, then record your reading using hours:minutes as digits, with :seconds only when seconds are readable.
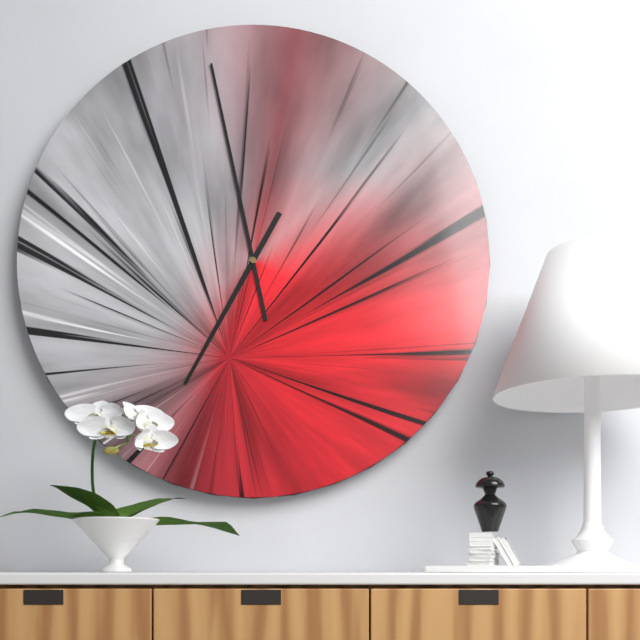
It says 6:58
